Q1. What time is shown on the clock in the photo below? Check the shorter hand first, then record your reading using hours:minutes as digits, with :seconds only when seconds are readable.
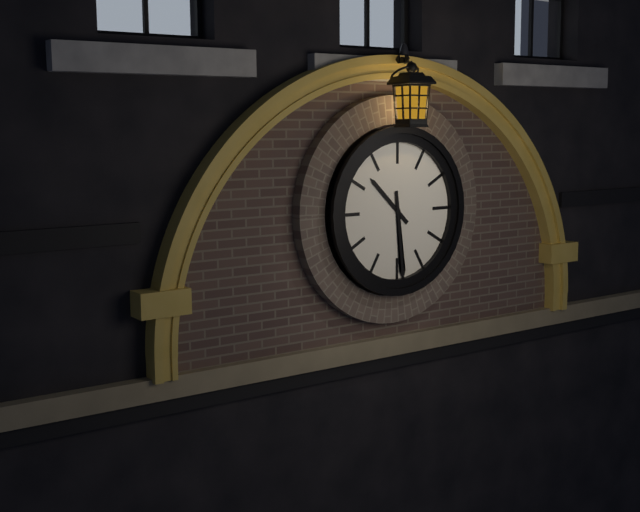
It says 10:29
